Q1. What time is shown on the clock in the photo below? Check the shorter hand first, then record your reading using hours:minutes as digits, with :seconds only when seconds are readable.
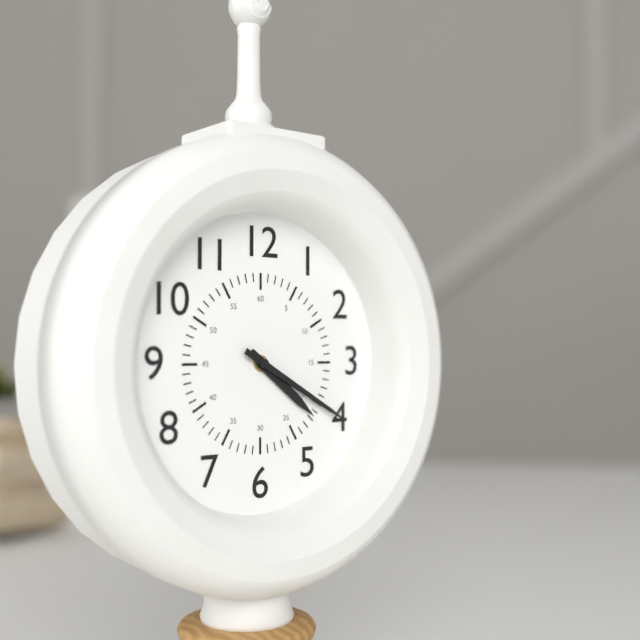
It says 4:20
